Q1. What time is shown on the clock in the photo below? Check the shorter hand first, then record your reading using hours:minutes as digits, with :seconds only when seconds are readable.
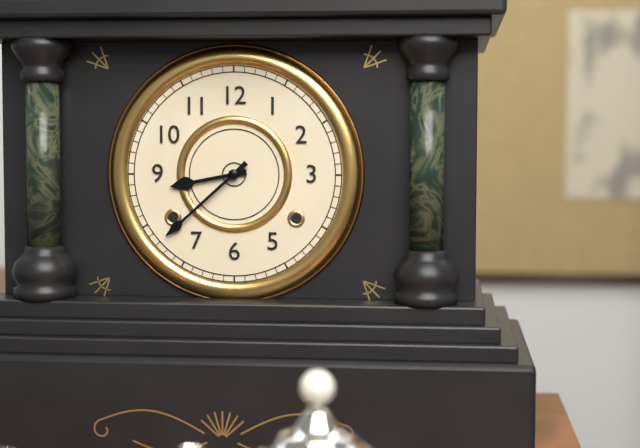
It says 8:38
